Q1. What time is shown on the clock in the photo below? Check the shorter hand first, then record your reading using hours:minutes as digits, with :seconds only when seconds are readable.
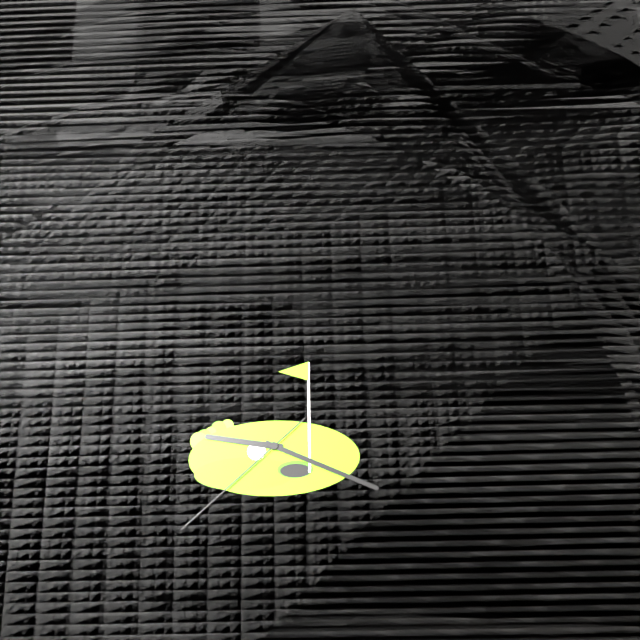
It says 9:19:38
